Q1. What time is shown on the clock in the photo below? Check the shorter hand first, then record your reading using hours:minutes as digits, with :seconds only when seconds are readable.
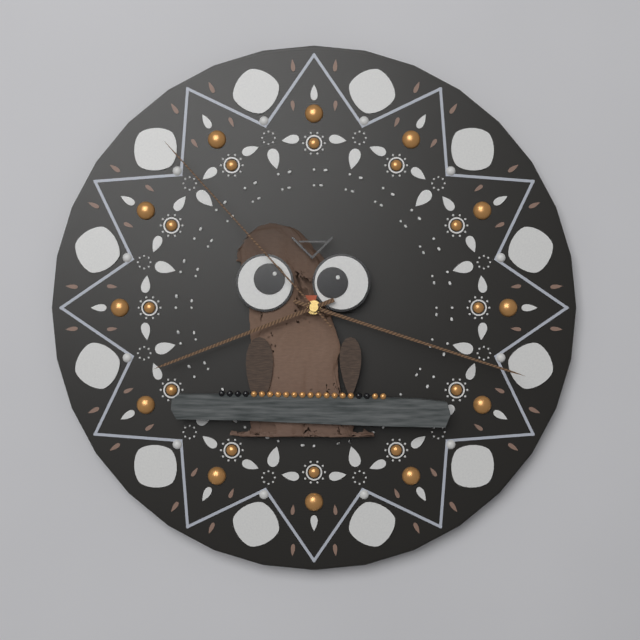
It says 8:18:53
